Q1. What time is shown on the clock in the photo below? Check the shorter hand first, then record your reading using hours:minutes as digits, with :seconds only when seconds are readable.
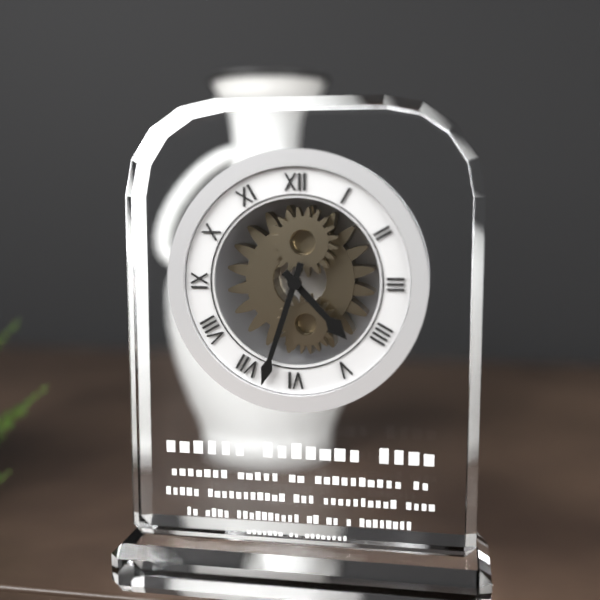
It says 4:33
